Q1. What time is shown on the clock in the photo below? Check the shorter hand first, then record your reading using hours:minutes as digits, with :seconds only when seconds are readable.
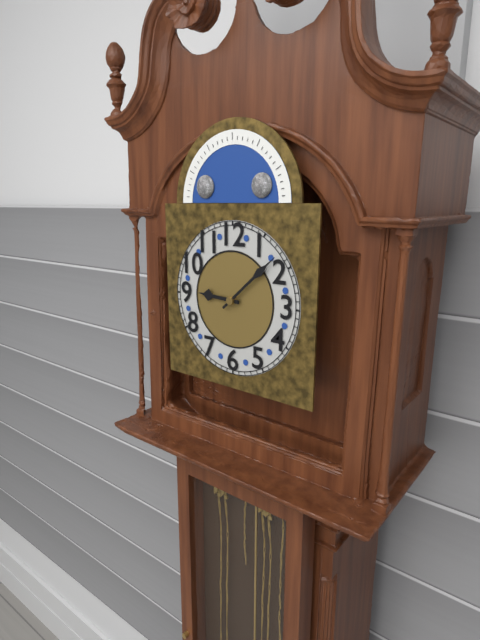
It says 9:08
